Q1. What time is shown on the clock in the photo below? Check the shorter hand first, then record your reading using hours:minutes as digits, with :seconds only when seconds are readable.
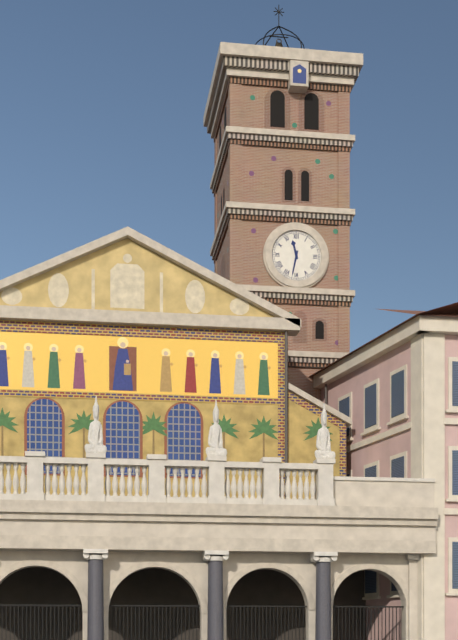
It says 11:32
